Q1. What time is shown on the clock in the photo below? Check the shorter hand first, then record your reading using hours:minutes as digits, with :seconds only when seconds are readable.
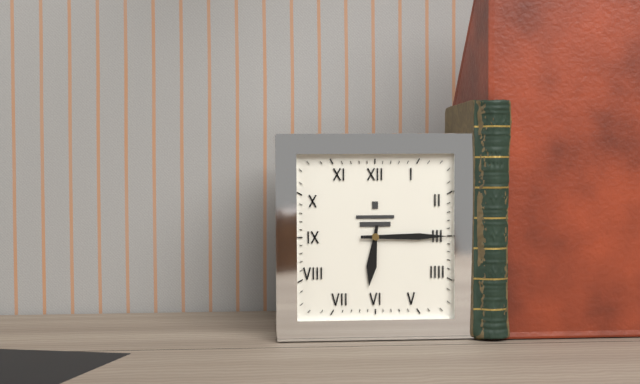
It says 6:15
